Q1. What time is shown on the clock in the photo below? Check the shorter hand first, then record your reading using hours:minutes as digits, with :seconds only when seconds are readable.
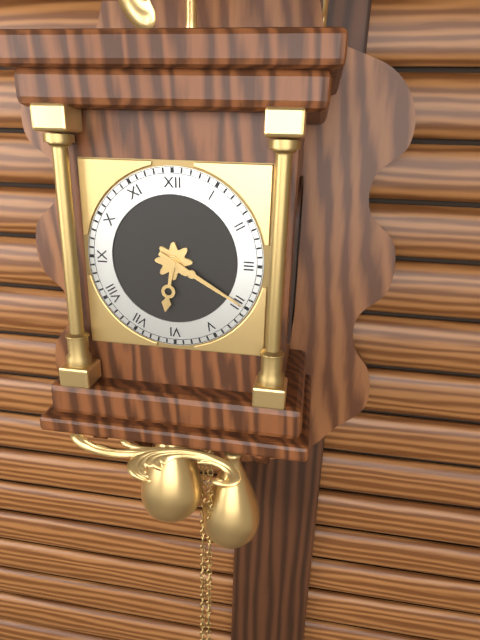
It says 6:20
